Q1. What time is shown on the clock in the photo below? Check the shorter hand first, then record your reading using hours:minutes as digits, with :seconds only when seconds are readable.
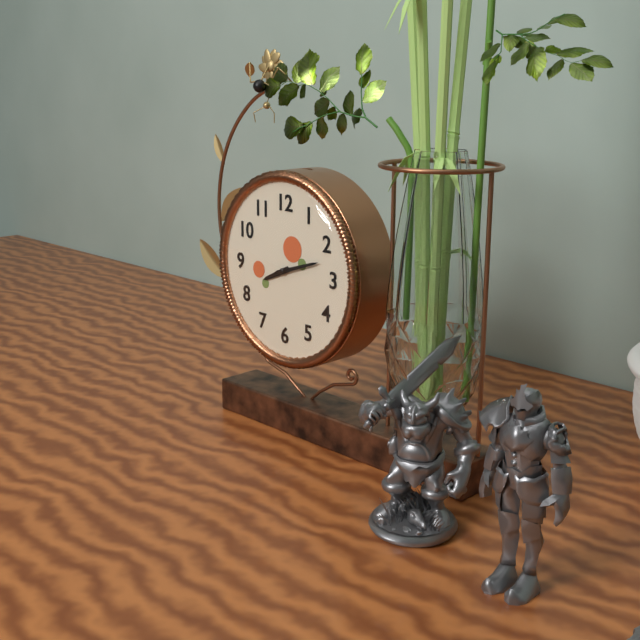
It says 8:12
